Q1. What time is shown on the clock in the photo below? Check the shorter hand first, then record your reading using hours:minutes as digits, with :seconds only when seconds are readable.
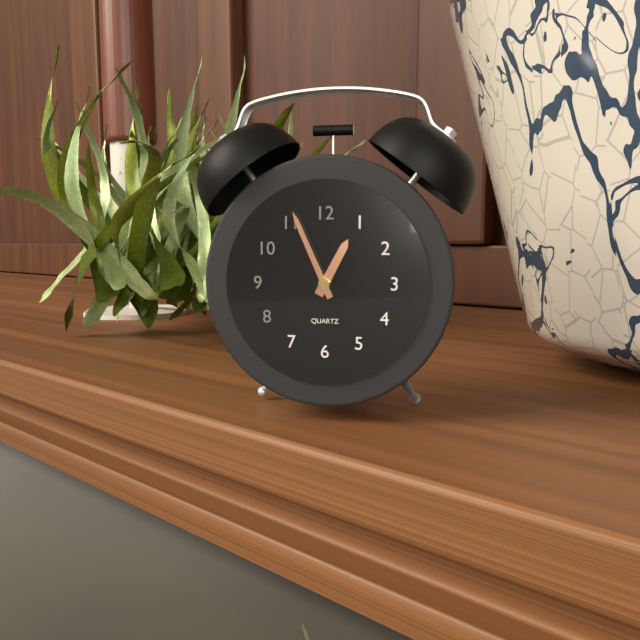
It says 12:56
